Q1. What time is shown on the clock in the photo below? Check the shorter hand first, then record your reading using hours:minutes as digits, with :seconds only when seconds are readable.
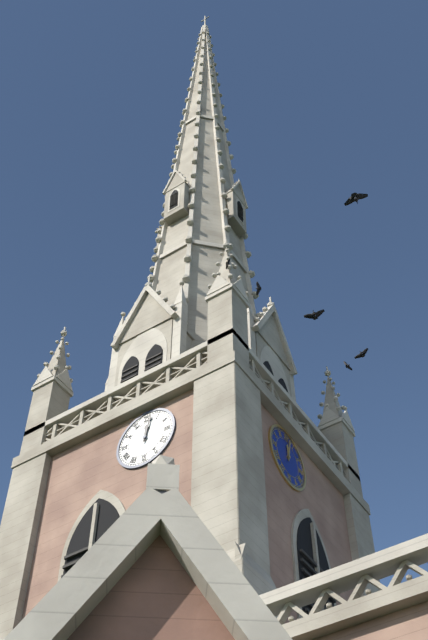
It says 12:02
